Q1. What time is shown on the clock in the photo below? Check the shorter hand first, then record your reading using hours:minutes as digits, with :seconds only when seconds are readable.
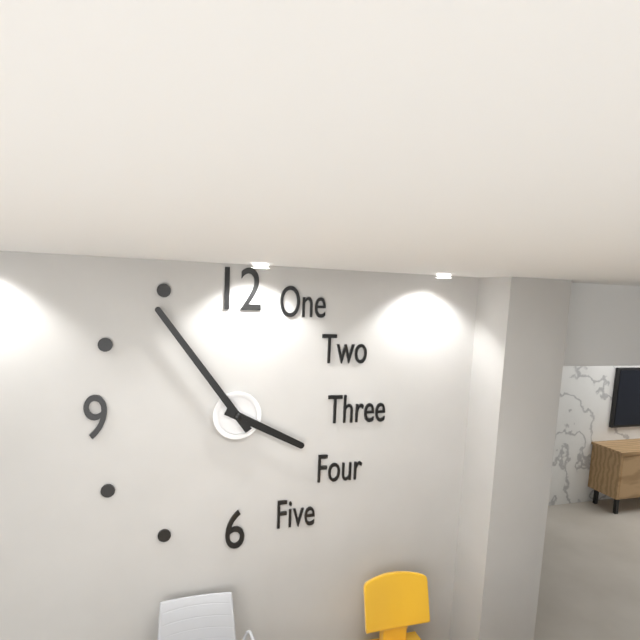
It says 3:54
